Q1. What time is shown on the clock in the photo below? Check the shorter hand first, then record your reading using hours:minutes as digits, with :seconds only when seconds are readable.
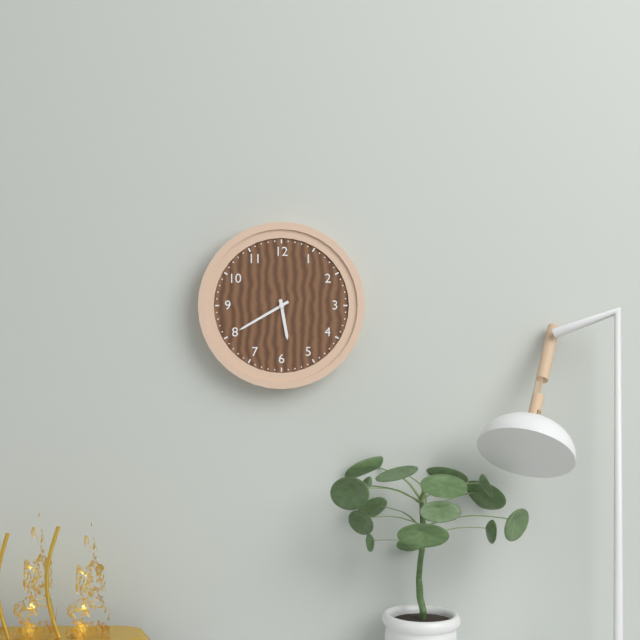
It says 5:40
